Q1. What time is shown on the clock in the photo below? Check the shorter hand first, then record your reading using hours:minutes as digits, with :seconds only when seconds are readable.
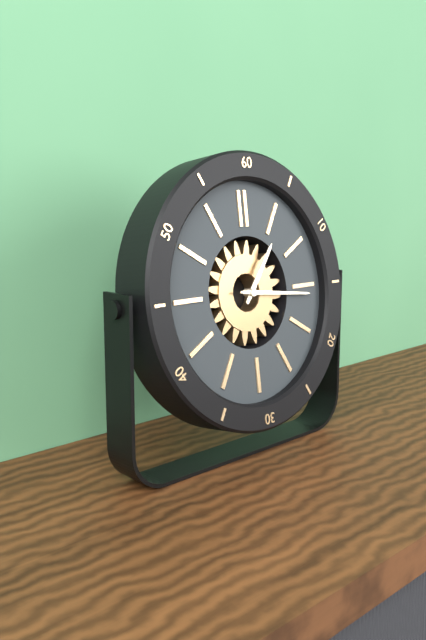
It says 1:16
